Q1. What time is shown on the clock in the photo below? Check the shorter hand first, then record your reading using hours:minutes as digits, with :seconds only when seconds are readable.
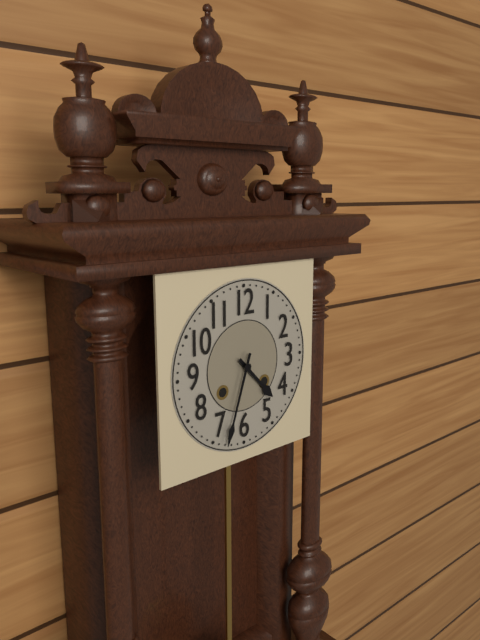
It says 4:33
